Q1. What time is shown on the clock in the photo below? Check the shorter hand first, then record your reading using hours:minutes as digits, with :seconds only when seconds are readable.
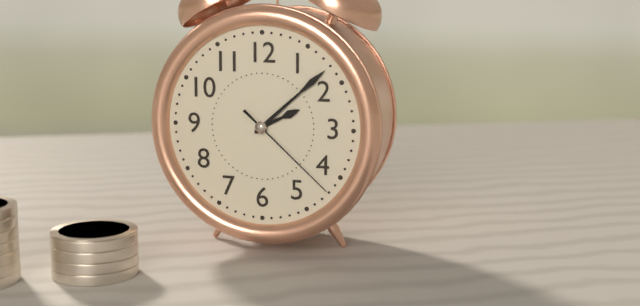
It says 2:08:22
